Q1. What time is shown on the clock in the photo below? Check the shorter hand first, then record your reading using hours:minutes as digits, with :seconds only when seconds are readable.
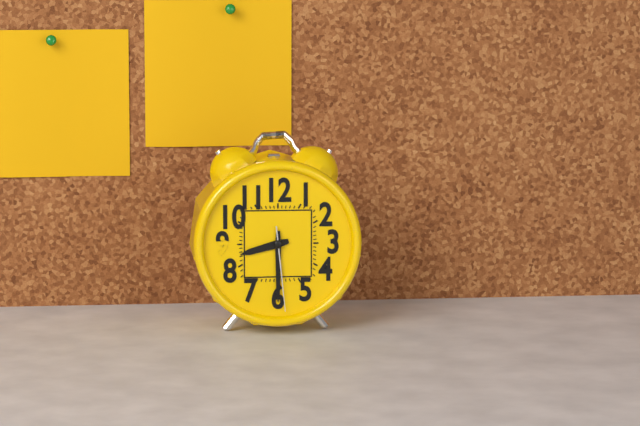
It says 8:30:29
